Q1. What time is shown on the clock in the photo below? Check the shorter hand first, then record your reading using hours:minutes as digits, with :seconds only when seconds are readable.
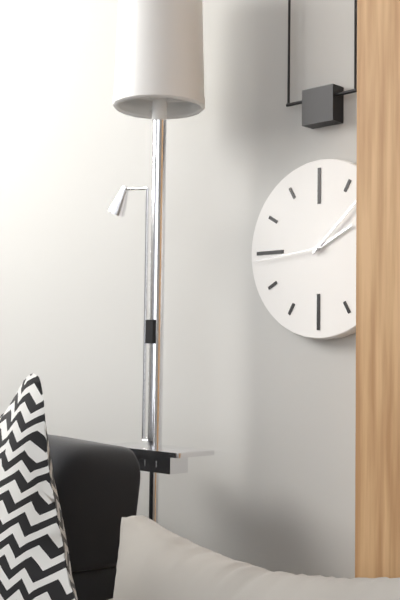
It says 2:08:44
